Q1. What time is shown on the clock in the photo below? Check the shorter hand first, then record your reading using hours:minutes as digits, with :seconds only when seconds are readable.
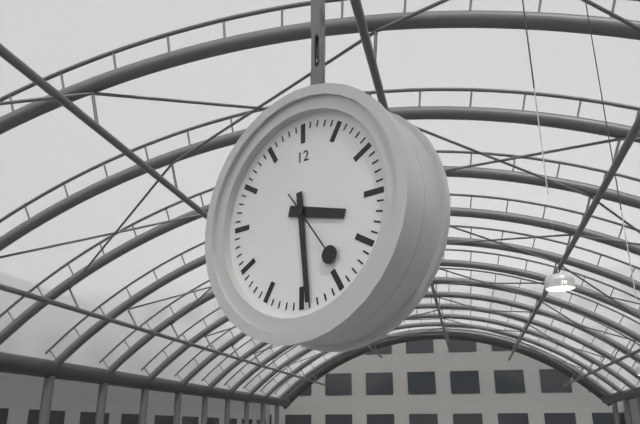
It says 3:29:24
